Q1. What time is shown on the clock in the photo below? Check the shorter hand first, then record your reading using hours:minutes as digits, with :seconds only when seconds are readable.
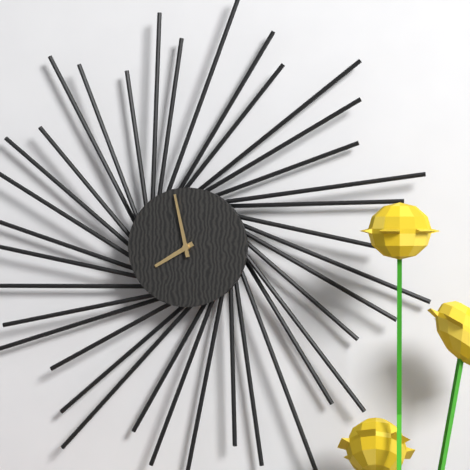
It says 7:58
